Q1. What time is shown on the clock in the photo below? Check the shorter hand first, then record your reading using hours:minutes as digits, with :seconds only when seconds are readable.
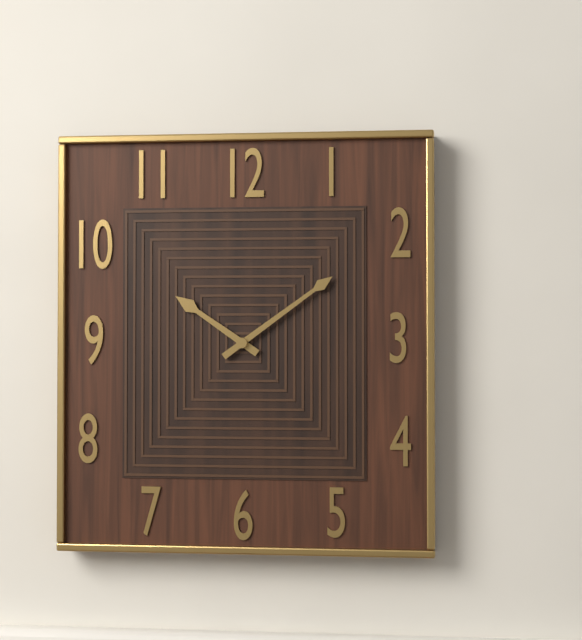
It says 10:09
